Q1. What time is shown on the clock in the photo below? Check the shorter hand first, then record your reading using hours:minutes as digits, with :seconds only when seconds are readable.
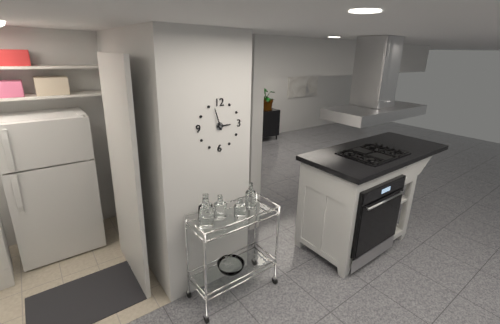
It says 2:57
